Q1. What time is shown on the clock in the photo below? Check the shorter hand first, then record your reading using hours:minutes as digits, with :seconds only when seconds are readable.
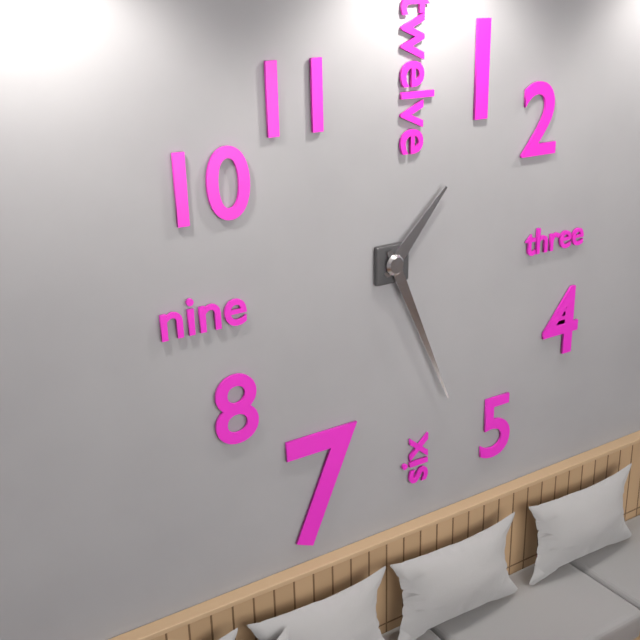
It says 1:26
